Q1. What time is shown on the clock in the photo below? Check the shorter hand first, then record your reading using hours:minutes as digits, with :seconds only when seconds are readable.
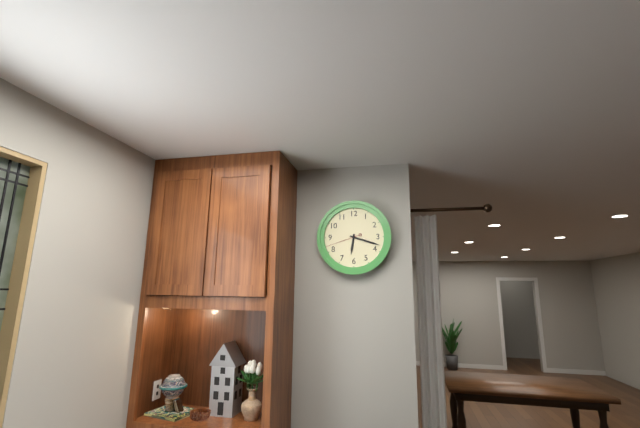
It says 6:18
